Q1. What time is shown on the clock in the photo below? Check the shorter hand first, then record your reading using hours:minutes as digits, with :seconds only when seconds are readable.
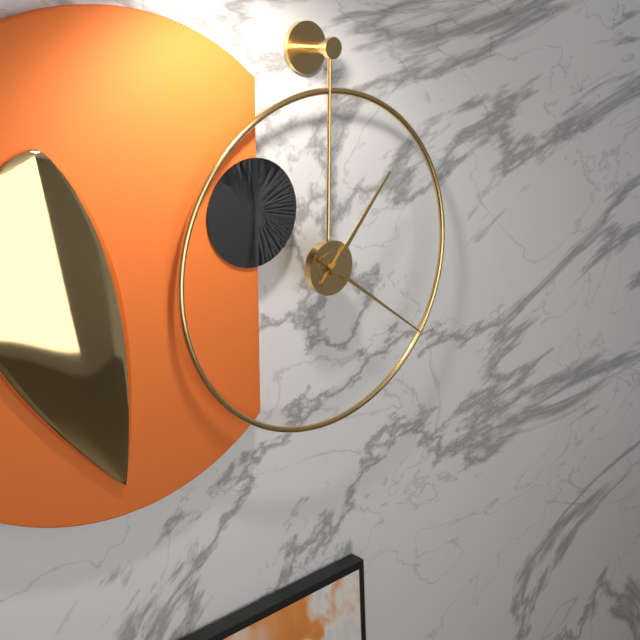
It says 1:21
